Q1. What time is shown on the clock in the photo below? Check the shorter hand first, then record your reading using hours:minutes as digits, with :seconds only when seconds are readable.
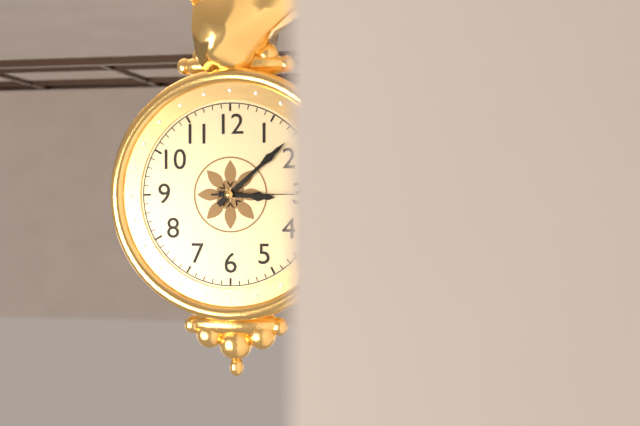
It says 3:08:15
